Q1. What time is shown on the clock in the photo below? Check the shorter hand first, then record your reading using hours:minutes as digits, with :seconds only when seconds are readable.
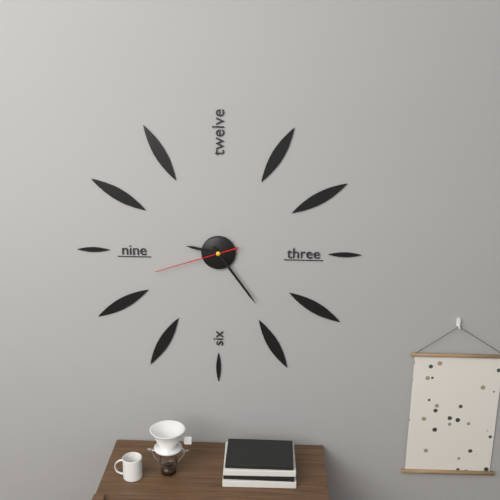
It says 9:24:42
